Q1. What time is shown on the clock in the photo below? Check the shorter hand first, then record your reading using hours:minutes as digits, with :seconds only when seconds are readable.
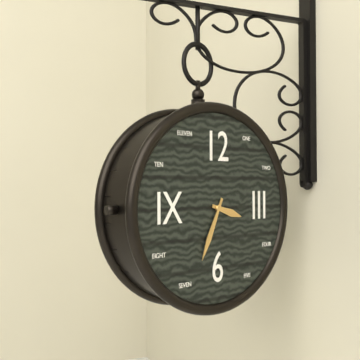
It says 3:34
